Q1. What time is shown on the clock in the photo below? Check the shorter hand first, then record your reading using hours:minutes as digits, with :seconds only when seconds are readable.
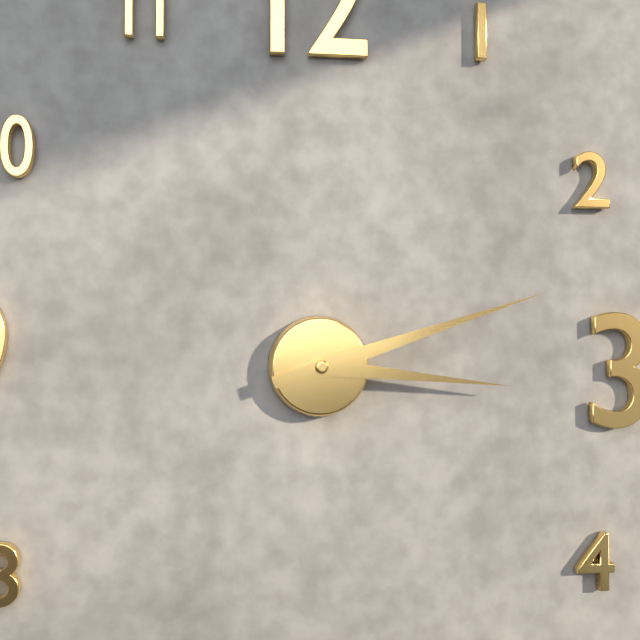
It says 3:12
